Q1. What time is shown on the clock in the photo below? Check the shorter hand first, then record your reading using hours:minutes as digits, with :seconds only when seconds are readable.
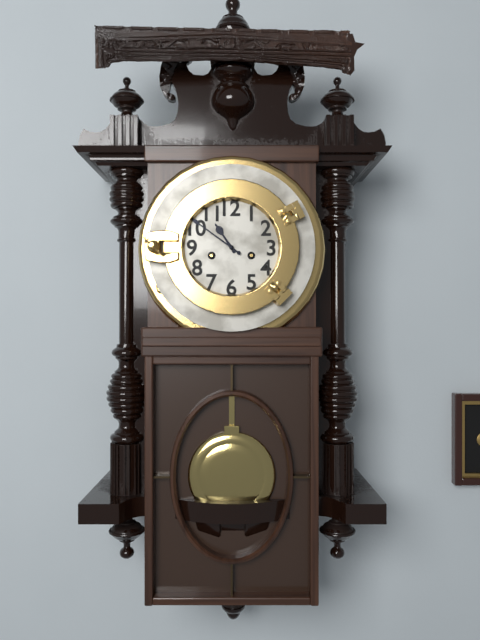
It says 10:51
